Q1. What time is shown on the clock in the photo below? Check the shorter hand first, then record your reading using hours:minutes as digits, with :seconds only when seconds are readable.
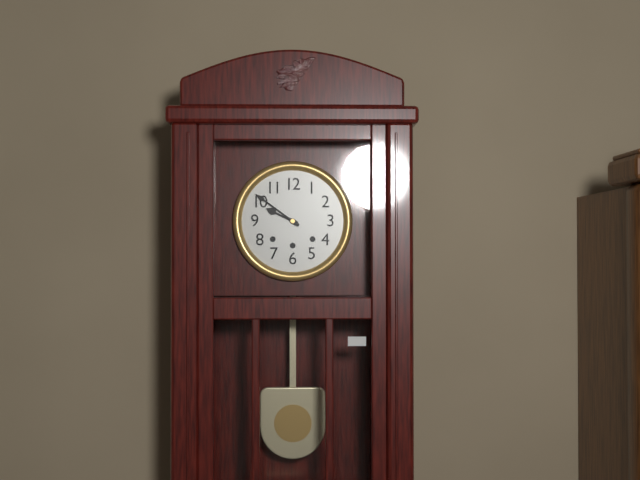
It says 9:51
